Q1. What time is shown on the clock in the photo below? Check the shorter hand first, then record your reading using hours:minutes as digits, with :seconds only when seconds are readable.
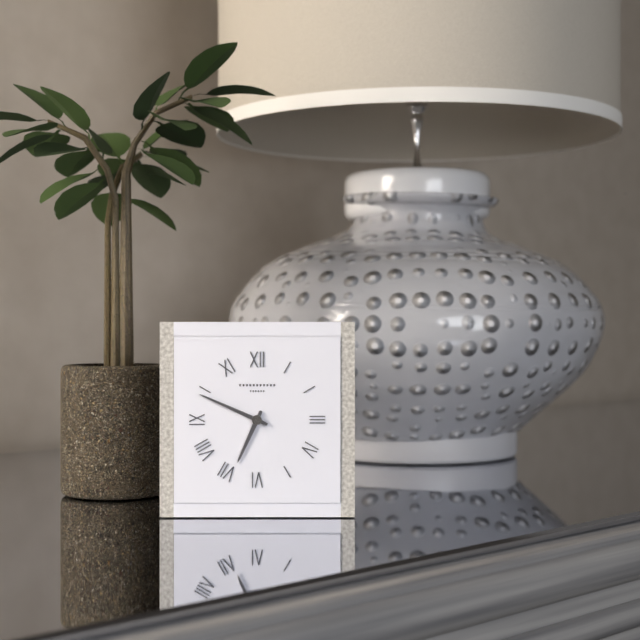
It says 6:49
